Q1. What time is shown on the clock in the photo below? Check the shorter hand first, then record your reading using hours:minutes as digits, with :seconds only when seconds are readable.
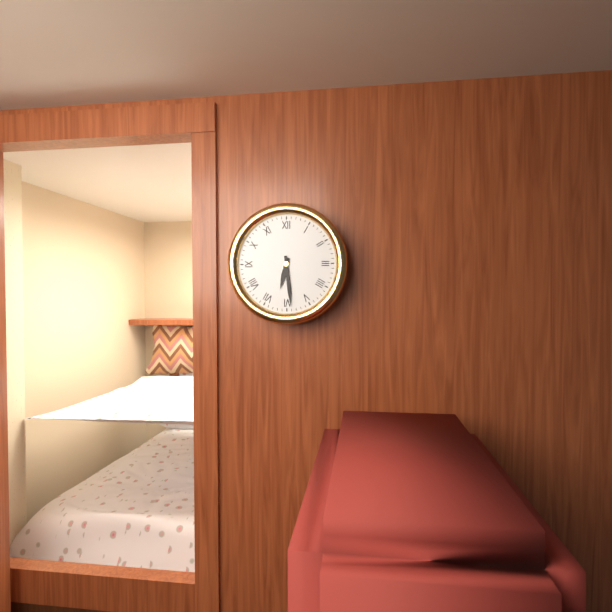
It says 6:29
